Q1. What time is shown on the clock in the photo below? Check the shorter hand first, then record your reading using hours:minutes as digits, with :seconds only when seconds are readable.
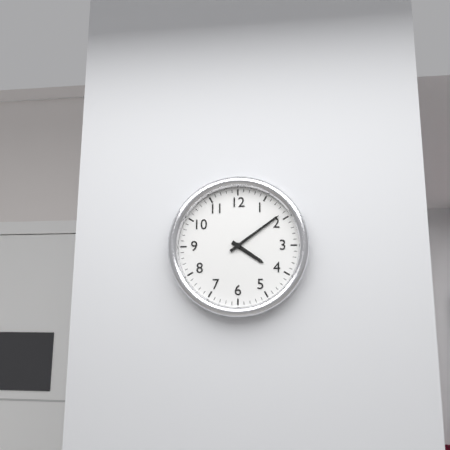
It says 4:09
